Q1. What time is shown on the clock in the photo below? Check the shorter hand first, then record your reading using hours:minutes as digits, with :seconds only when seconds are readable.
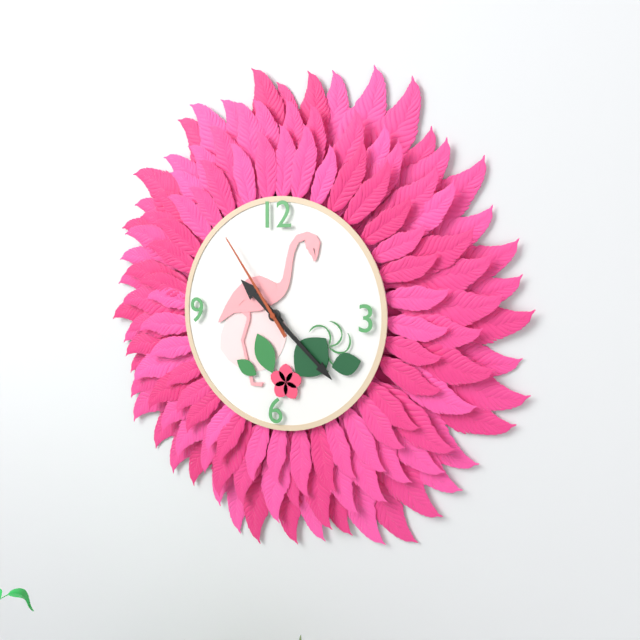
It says 10:22:54
